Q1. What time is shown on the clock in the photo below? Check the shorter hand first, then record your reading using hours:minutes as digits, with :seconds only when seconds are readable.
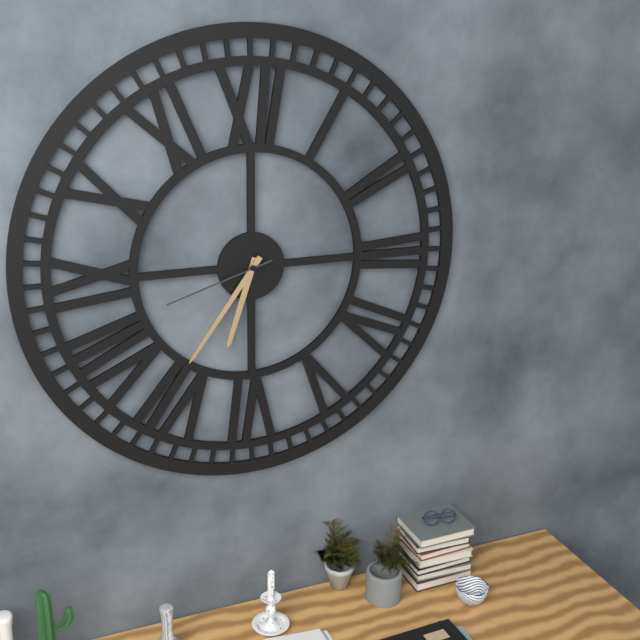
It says 6:36:42
